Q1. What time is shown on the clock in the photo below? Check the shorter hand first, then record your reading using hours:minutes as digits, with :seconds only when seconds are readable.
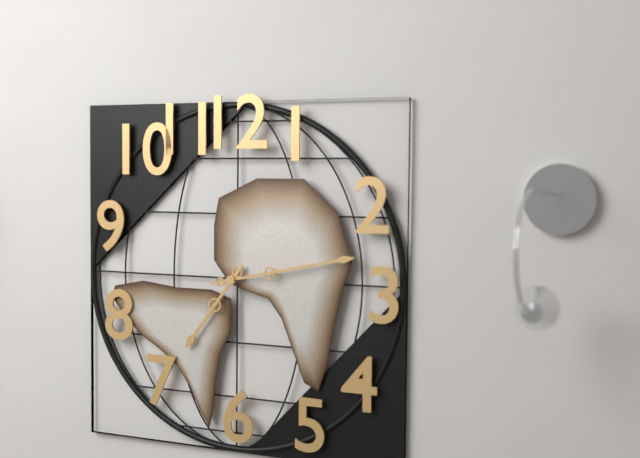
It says 7:13
